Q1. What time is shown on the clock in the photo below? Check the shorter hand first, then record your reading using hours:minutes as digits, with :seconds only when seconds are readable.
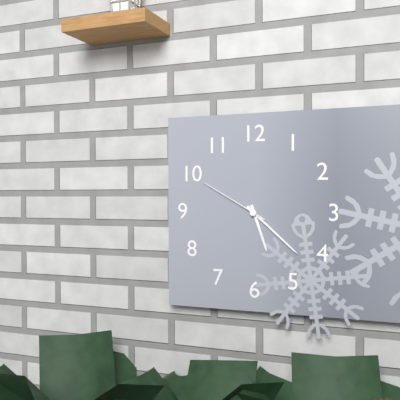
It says 5:22:50
